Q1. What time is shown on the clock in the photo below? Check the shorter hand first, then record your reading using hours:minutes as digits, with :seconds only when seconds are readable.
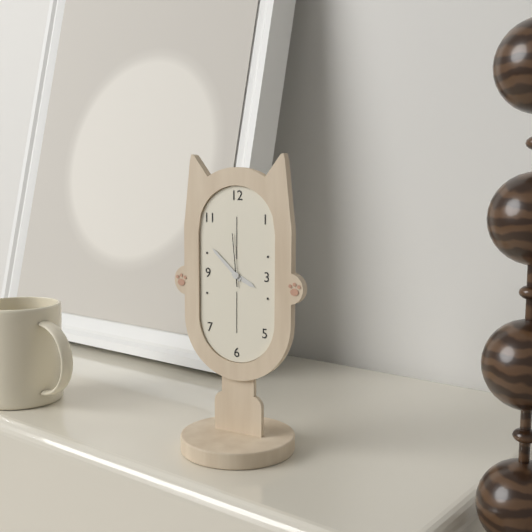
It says 3:52:59
